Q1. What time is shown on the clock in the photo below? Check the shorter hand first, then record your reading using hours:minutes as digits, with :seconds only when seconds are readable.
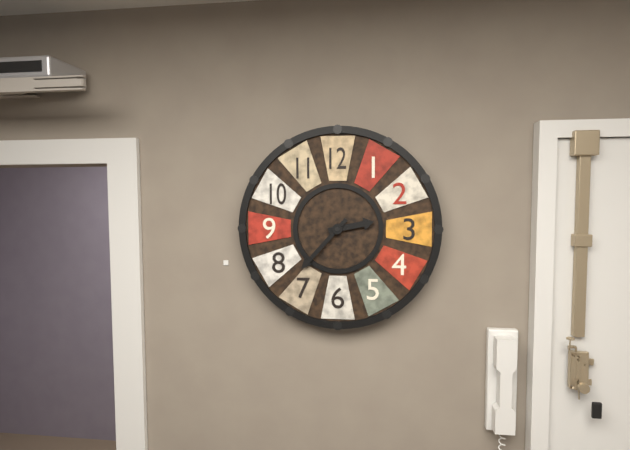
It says 2:37
